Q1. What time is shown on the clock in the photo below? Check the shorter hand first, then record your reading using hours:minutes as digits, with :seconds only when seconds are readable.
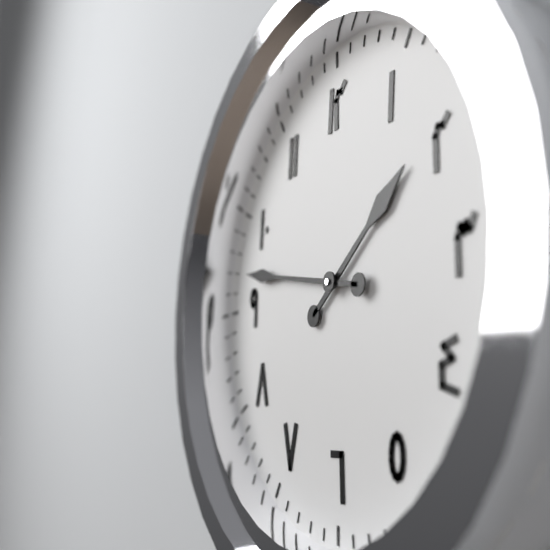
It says 1:47
